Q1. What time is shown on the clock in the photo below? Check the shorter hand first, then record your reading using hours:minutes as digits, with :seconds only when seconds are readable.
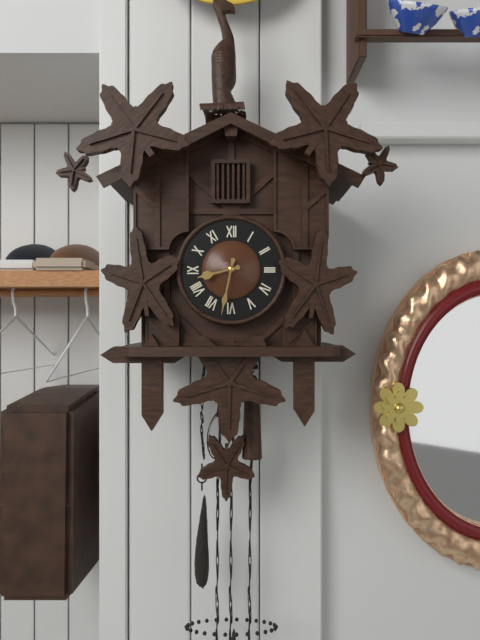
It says 8:32
